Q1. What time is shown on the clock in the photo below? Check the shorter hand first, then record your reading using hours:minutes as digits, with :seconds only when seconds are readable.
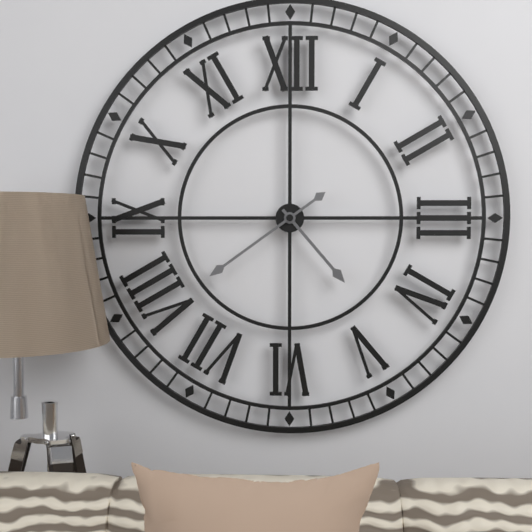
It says 4:39
